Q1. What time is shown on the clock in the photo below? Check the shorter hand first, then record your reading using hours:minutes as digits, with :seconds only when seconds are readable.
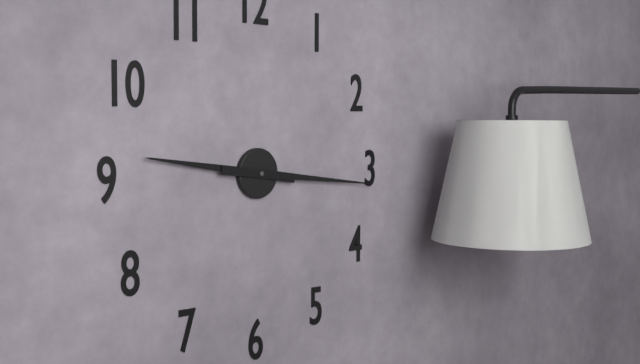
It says 9:16
